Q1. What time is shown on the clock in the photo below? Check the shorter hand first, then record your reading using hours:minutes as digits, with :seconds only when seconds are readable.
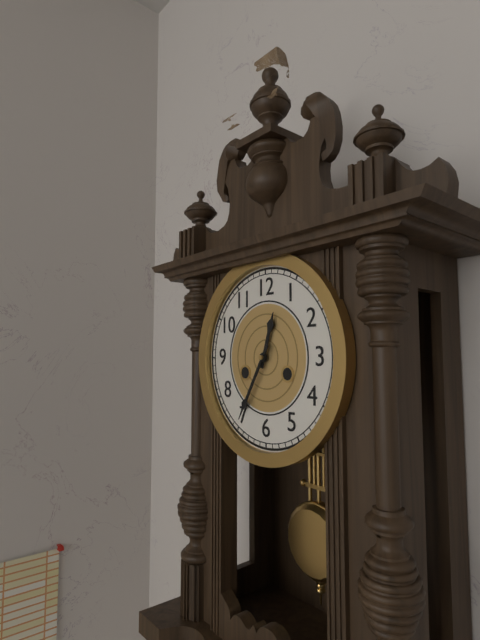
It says 12:35
